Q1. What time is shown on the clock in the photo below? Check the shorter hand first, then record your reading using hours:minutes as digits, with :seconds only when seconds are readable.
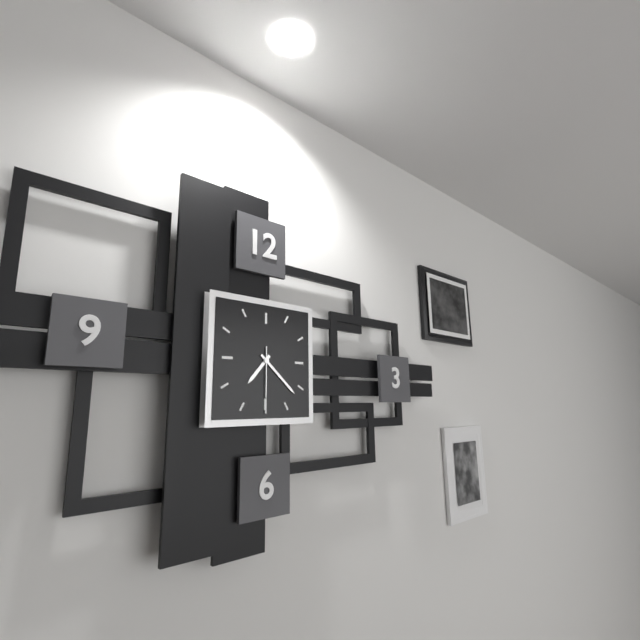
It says 7:22:30
